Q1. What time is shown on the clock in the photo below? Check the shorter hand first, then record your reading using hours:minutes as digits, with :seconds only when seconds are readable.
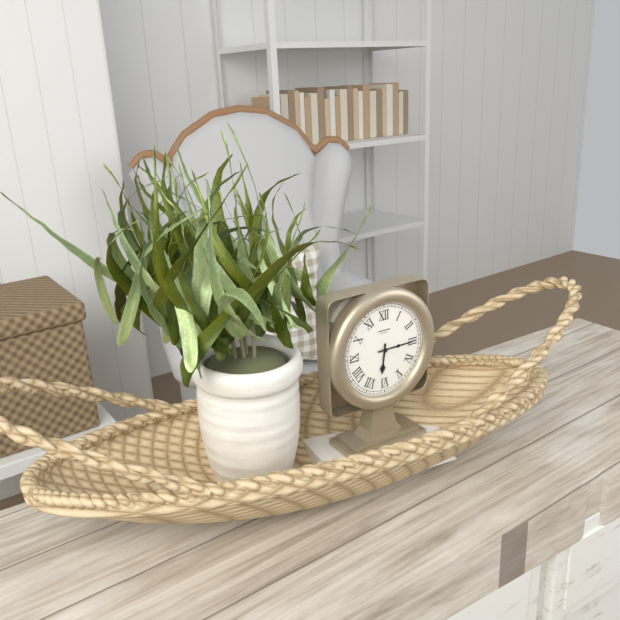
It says 6:15
